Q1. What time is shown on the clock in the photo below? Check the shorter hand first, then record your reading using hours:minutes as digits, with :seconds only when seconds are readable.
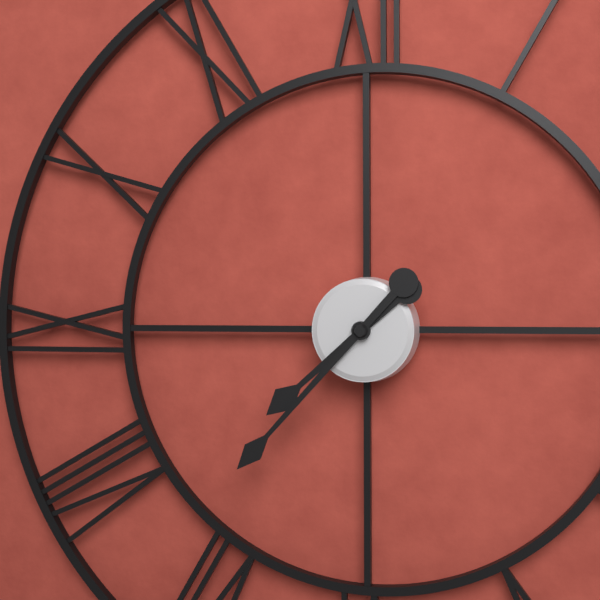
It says 7:37
